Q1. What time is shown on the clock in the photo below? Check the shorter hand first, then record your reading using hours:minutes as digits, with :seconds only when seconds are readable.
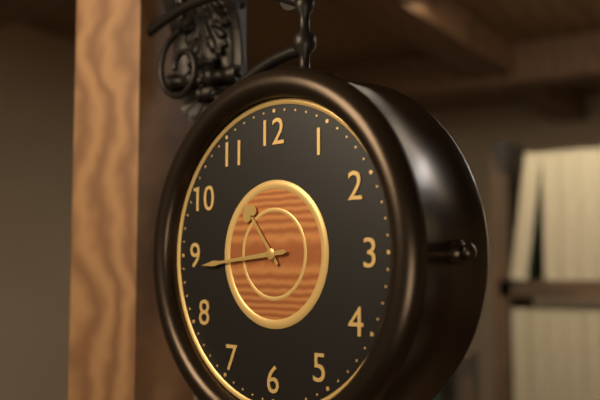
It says 10:44
